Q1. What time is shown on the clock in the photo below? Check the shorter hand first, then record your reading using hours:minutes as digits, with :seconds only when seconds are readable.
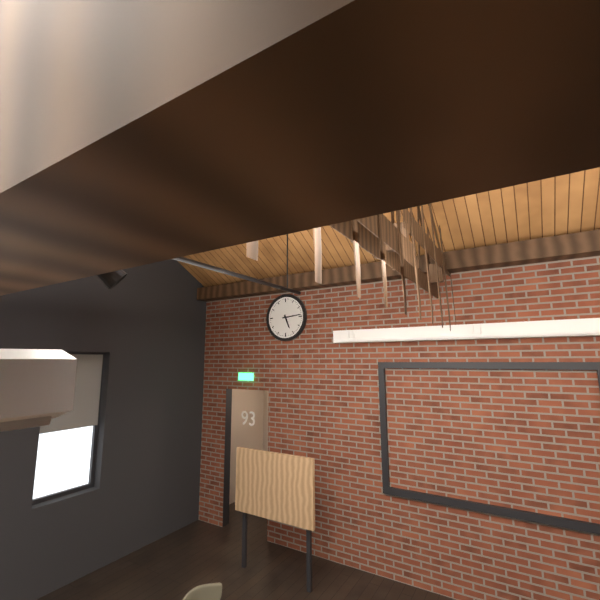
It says 5:14
